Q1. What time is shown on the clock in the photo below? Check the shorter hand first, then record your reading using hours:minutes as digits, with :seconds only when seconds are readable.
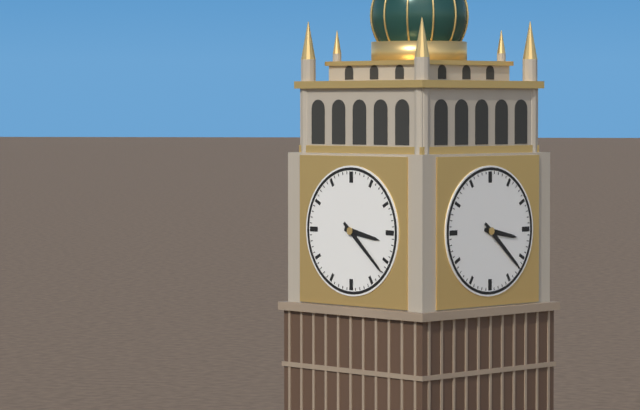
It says 3:22
